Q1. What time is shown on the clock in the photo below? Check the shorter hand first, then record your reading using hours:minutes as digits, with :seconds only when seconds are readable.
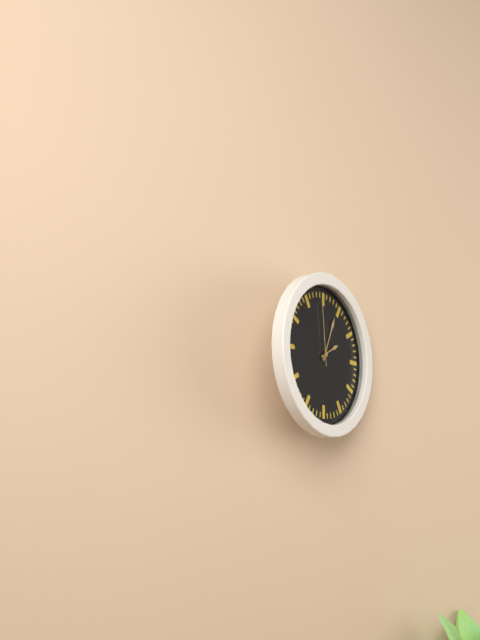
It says 2:04:59
